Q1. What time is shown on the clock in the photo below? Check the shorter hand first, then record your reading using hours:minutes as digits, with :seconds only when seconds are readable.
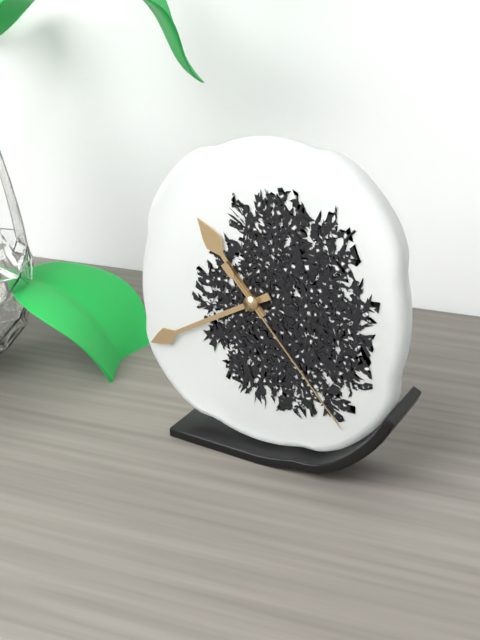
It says 10:40:23
